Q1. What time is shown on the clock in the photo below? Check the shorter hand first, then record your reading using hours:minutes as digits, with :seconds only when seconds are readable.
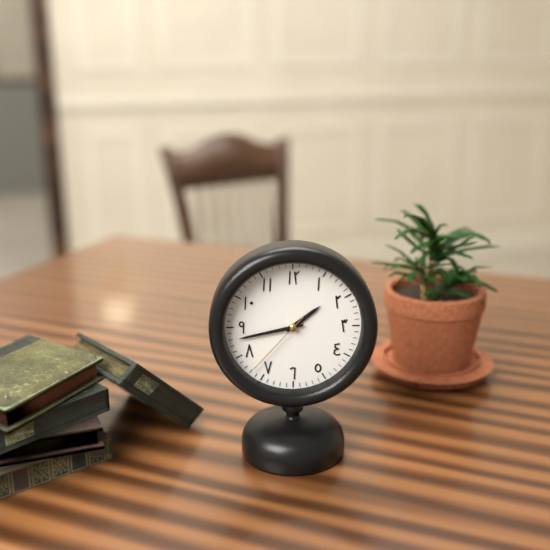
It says 1:43:37
